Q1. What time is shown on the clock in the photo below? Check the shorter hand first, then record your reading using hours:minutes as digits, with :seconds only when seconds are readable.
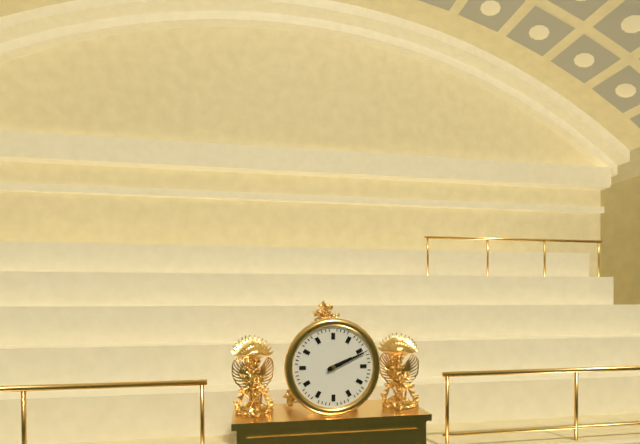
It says 2:11
